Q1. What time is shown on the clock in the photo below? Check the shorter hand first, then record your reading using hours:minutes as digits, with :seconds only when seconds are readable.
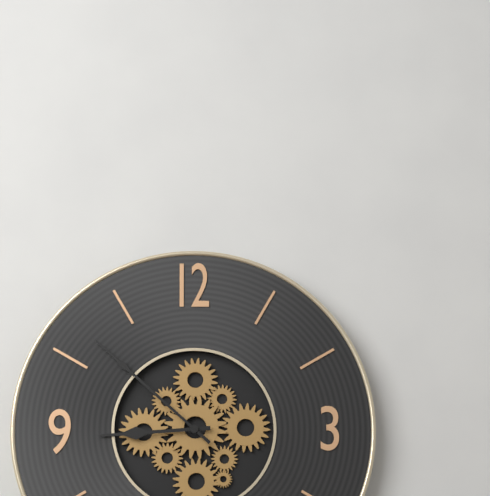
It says 8:52
